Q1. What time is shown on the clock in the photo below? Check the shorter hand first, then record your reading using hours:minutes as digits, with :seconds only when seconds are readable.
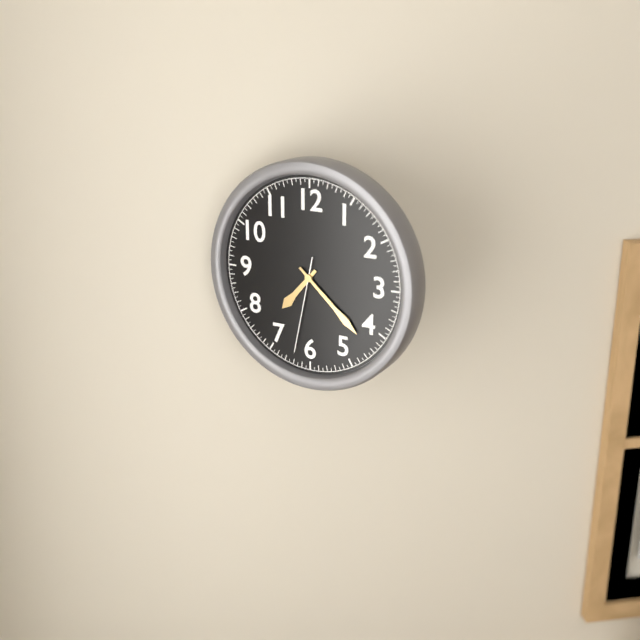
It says 7:22:32
